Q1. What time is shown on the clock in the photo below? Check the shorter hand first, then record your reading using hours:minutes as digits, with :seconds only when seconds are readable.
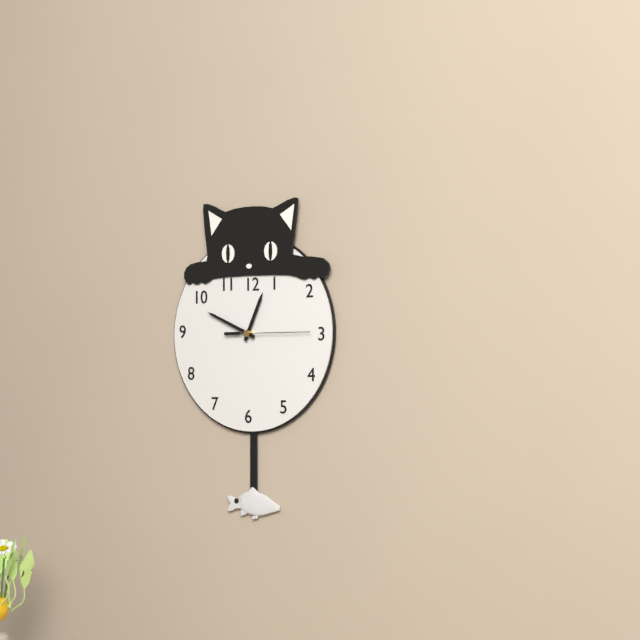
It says 12:49:15
